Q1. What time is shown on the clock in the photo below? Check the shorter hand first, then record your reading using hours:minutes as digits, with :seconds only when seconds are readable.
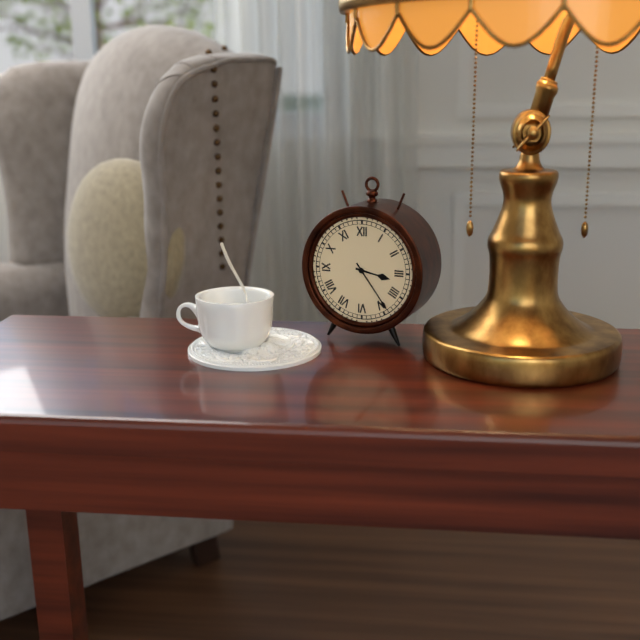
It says 3:24
